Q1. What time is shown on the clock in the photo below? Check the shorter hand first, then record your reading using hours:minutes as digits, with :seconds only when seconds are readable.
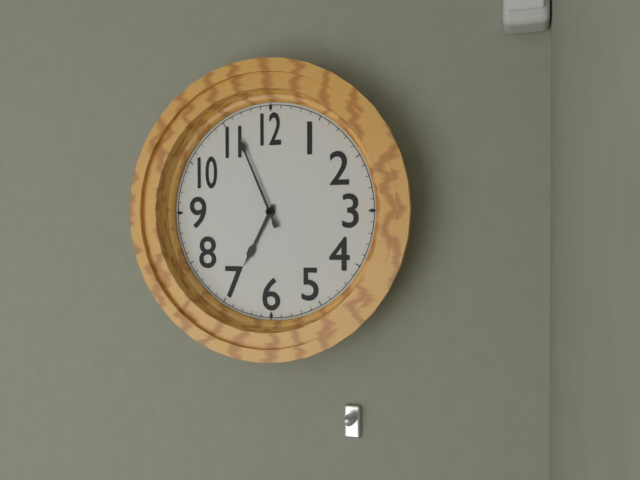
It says 6:56
